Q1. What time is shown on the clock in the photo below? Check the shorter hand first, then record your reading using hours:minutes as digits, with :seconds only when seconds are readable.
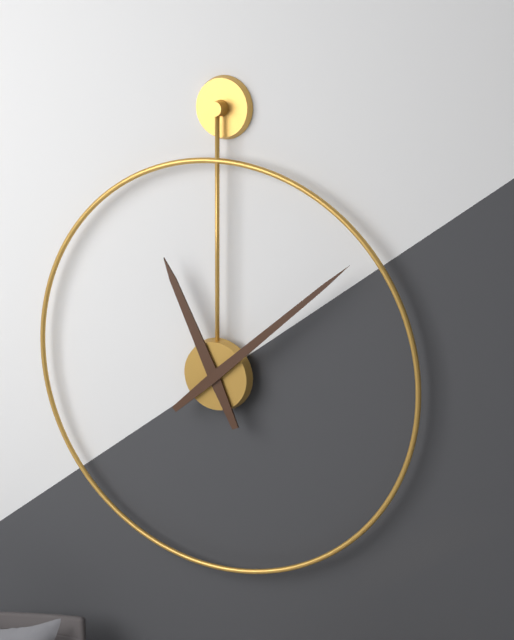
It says 11:08
